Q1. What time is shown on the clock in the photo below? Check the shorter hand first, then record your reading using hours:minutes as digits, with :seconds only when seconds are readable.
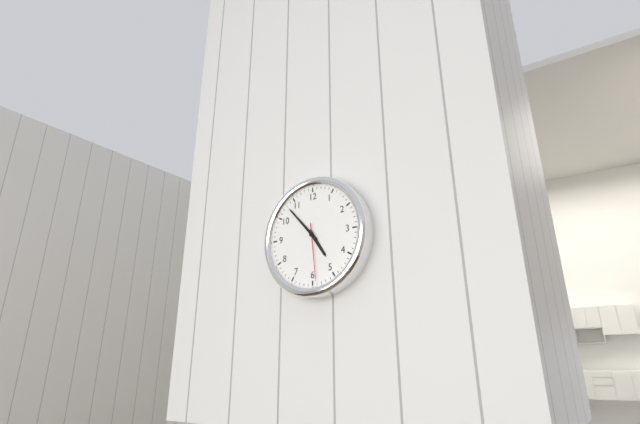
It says 4:53:29
